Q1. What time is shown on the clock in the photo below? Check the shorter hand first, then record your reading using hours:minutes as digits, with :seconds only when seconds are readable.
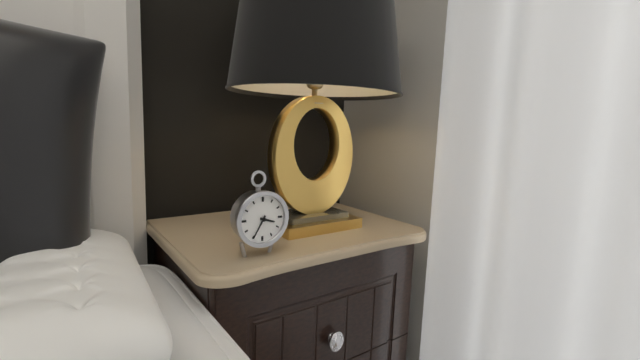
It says 3:35
